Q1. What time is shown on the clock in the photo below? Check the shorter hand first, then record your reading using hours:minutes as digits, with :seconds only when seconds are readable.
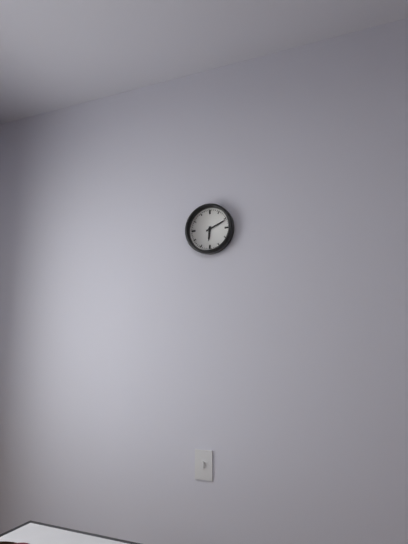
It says 6:11
